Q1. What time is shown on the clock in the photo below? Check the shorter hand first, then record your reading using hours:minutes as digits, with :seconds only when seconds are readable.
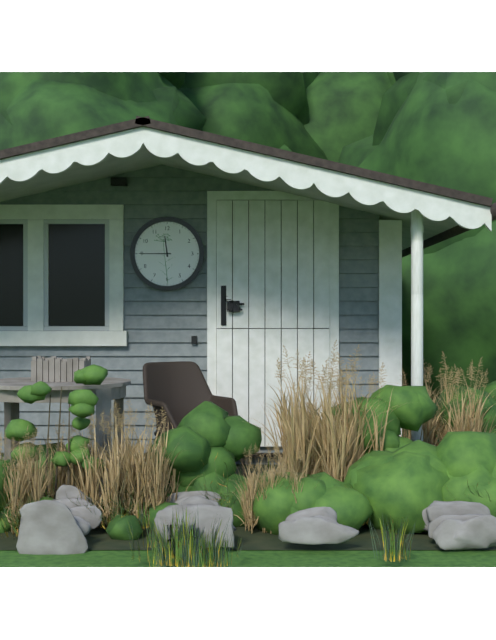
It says 11:45
